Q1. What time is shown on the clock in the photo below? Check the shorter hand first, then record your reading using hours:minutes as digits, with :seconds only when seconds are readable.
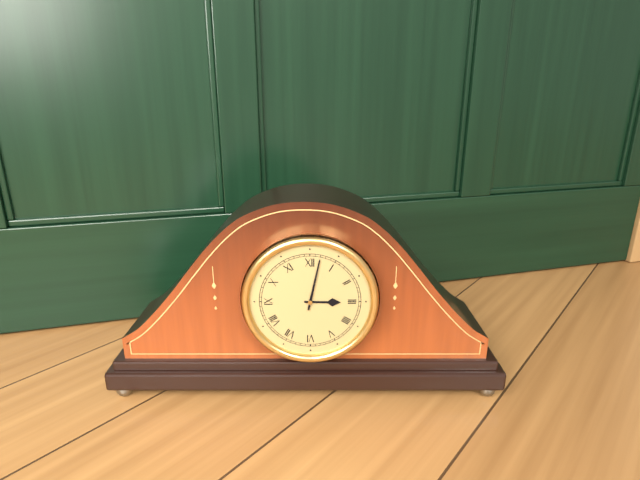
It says 3:02
